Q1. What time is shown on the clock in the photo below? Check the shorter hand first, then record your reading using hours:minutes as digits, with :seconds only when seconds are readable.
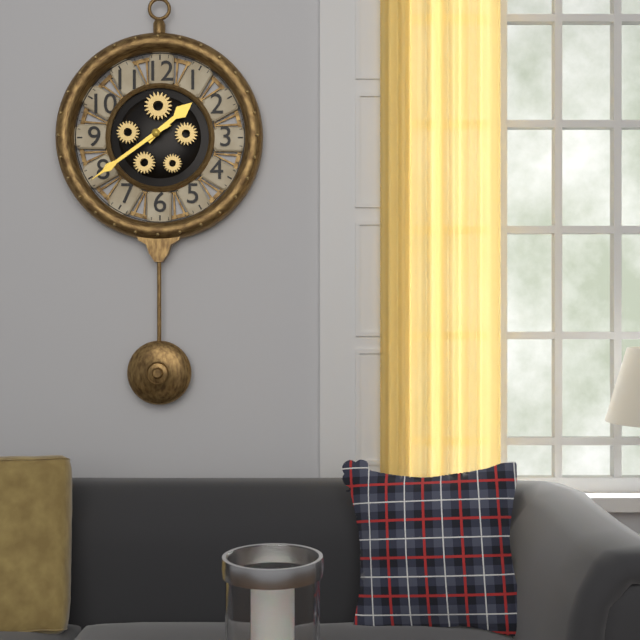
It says 1:39
